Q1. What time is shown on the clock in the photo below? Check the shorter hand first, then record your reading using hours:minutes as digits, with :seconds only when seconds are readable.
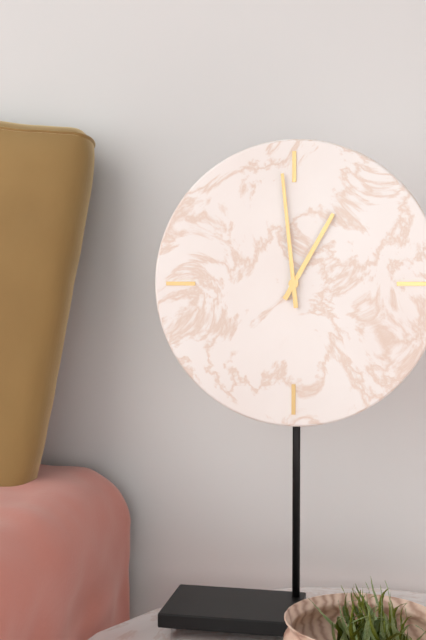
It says 12:59
